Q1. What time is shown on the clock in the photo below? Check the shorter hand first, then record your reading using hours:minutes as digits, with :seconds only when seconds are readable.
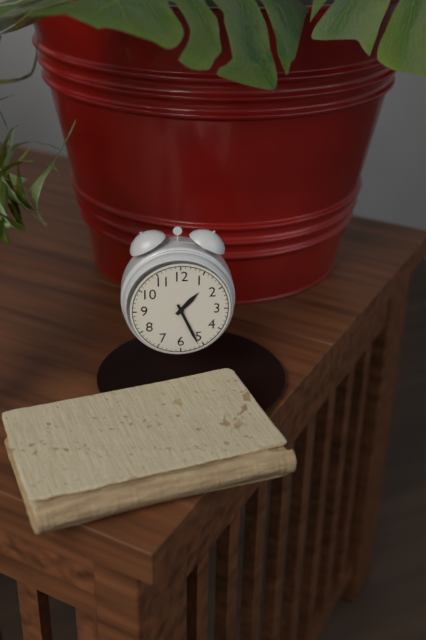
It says 1:26
